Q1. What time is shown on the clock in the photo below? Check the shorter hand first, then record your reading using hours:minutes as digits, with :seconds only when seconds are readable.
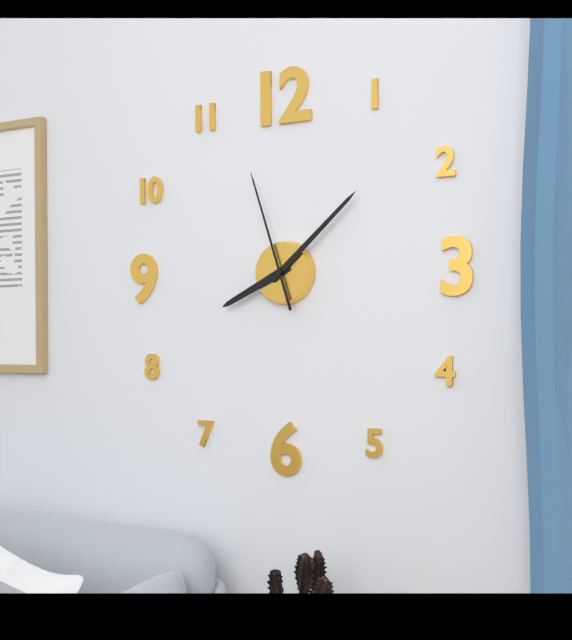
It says 8:08:57
